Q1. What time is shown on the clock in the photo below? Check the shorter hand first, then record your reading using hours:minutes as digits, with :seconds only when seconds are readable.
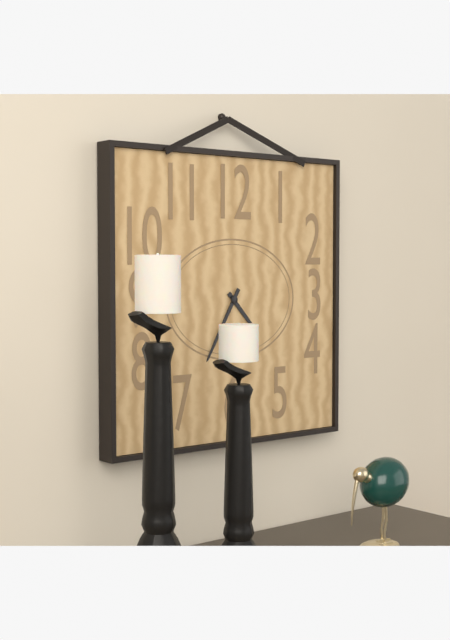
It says 4:35
